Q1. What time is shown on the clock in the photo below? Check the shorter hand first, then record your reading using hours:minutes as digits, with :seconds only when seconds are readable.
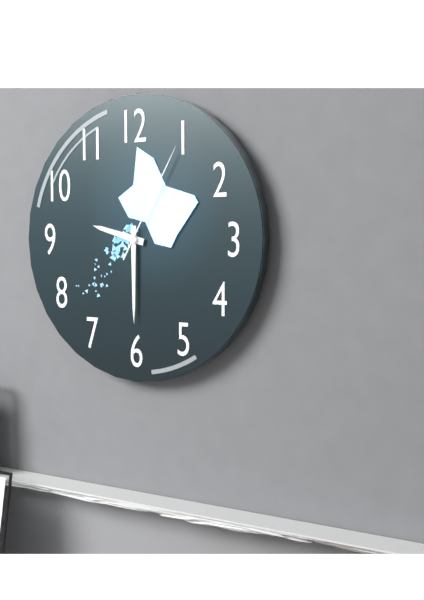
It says 9:30:05
